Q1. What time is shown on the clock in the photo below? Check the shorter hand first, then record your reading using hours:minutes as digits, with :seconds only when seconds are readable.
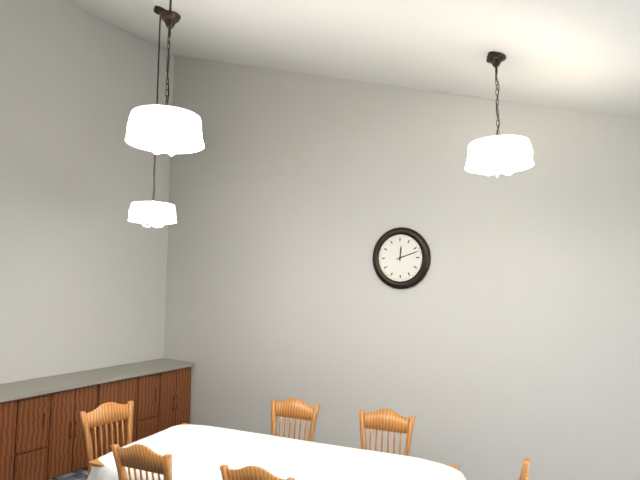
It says 12:12
